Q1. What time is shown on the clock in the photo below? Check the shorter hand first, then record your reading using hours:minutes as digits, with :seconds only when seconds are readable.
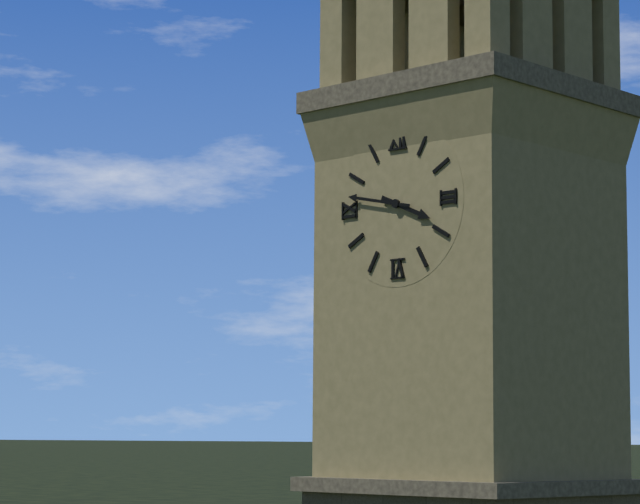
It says 3:47
